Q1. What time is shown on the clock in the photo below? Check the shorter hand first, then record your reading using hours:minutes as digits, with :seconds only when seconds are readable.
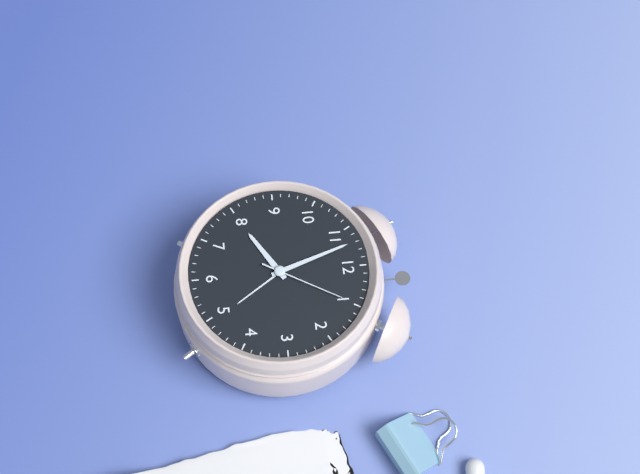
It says 7:57:05
